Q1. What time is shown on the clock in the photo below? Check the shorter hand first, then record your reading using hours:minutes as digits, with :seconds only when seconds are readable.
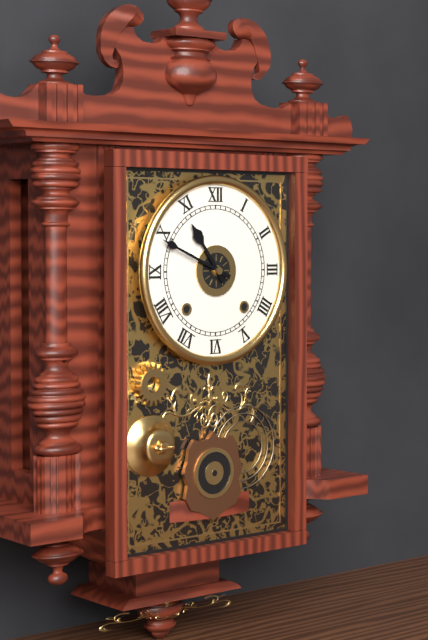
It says 10:49
